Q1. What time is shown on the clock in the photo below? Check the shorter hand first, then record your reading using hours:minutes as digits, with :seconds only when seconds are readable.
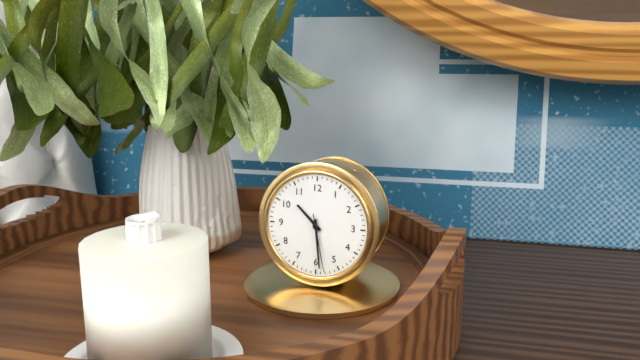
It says 10:29:28
